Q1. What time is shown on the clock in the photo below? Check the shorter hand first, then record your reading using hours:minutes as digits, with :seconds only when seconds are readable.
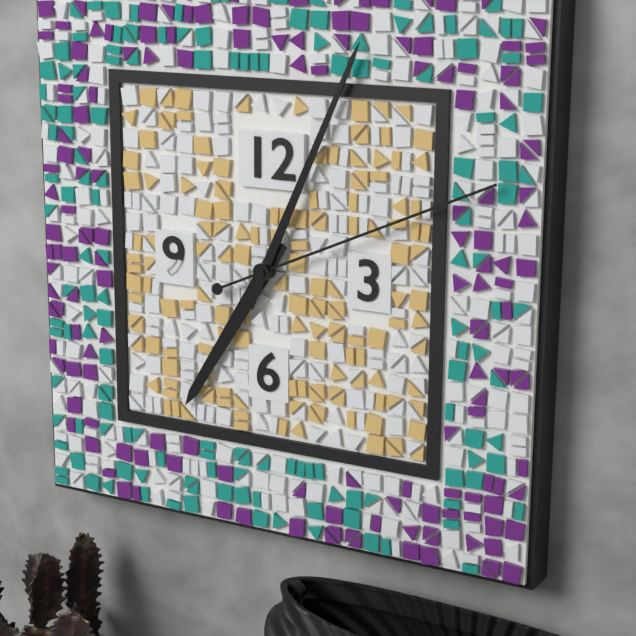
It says 7:04:11
